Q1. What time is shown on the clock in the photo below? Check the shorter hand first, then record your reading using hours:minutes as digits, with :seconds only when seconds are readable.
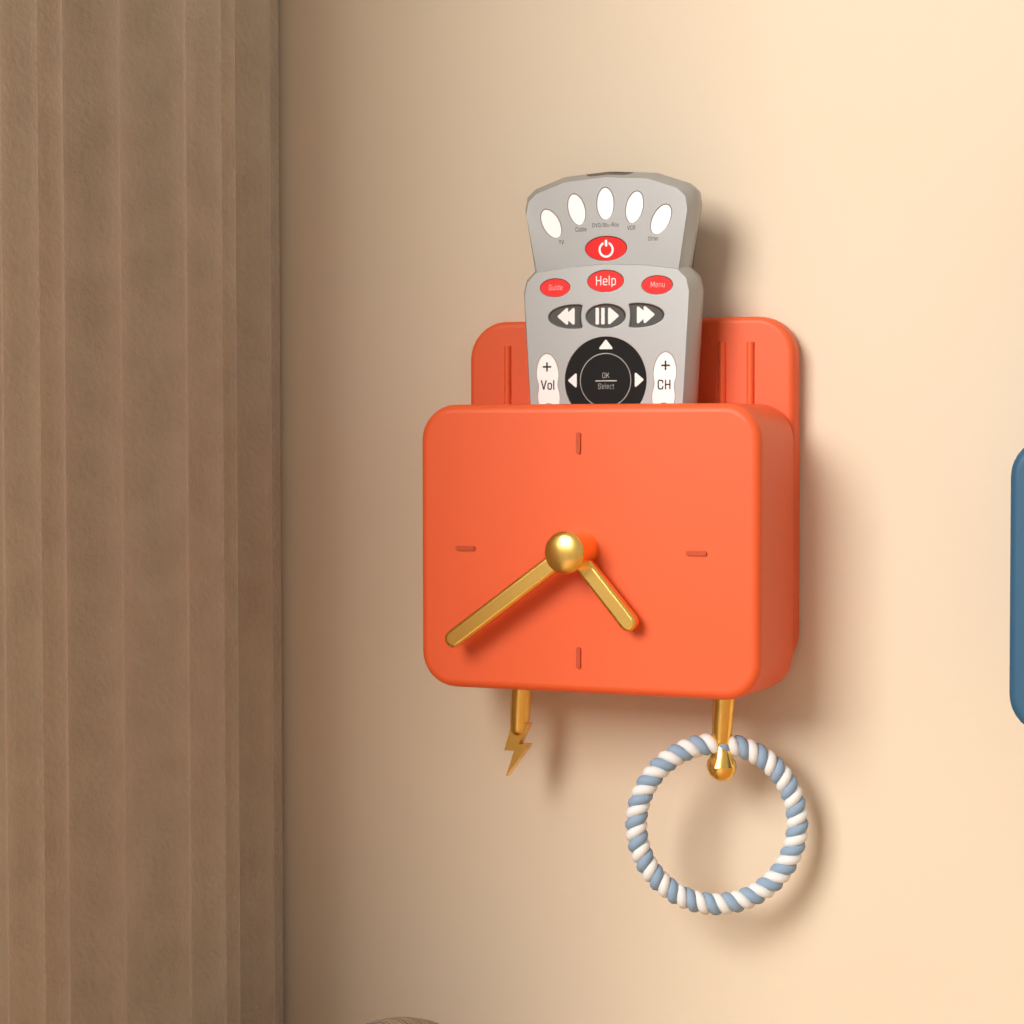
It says 4:39
